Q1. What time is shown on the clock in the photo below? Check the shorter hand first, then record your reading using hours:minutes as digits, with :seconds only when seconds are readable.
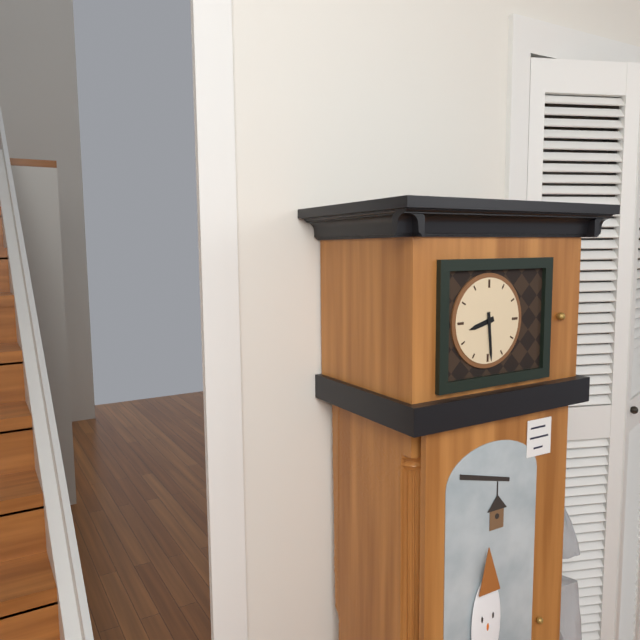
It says 8:29
